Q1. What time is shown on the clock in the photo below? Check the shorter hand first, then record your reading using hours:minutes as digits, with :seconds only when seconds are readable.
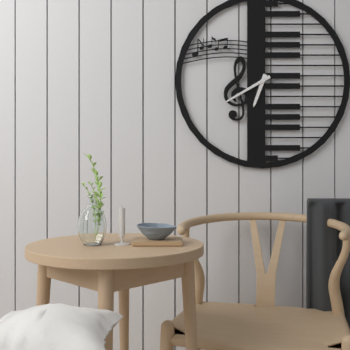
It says 6:40
